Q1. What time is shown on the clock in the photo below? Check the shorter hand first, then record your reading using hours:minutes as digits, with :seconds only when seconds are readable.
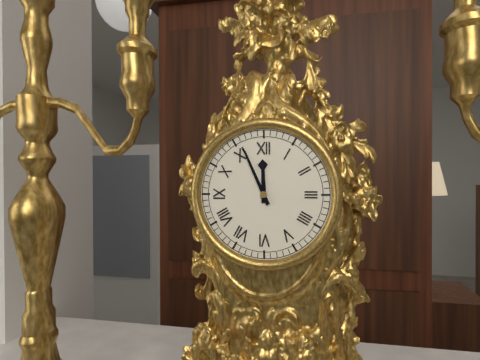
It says 11:56
